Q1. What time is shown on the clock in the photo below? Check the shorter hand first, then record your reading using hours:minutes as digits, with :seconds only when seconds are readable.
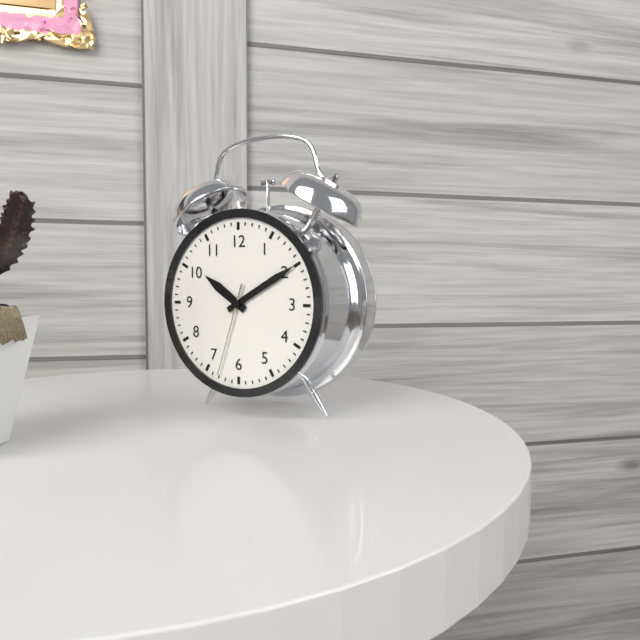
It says 10:10:33
